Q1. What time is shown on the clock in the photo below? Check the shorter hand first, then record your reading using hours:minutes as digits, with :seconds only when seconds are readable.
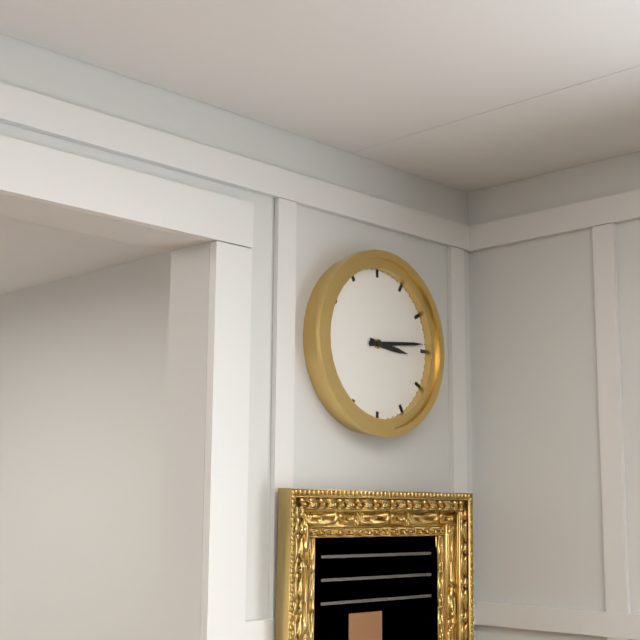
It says 3:14
